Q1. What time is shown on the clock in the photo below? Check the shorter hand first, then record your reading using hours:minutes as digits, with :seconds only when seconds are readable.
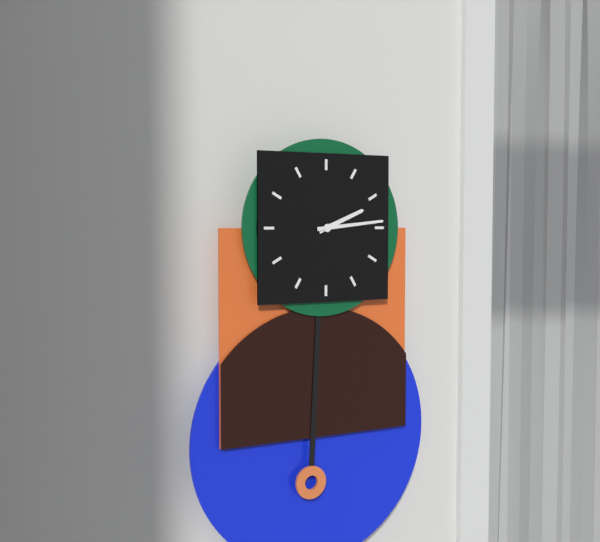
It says 2:14
